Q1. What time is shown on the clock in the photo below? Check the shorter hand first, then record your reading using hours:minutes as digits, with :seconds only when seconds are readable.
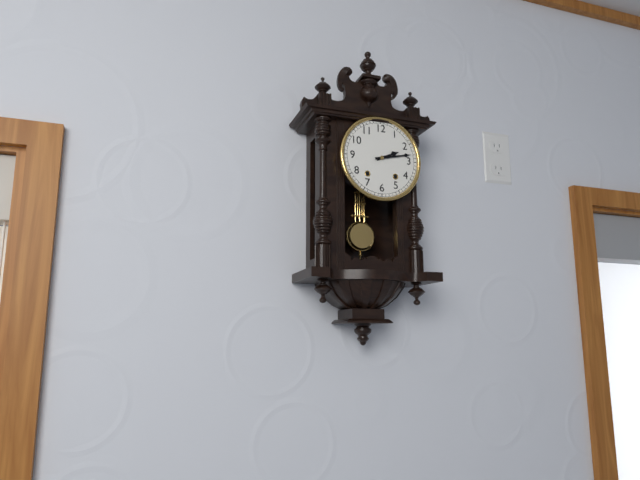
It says 2:13
